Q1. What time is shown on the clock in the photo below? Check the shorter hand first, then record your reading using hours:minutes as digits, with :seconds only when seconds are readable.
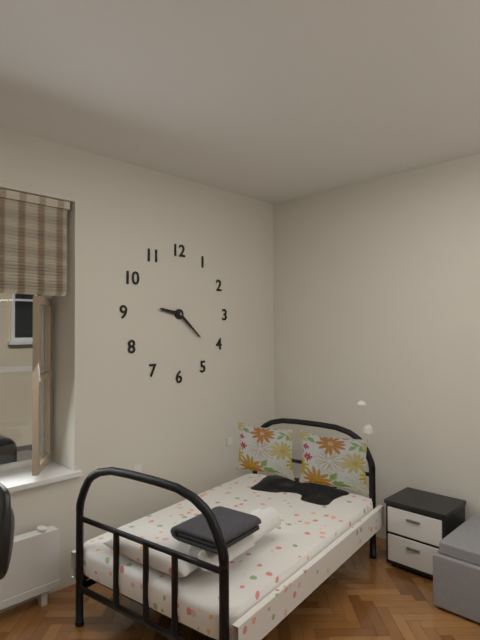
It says 9:22
